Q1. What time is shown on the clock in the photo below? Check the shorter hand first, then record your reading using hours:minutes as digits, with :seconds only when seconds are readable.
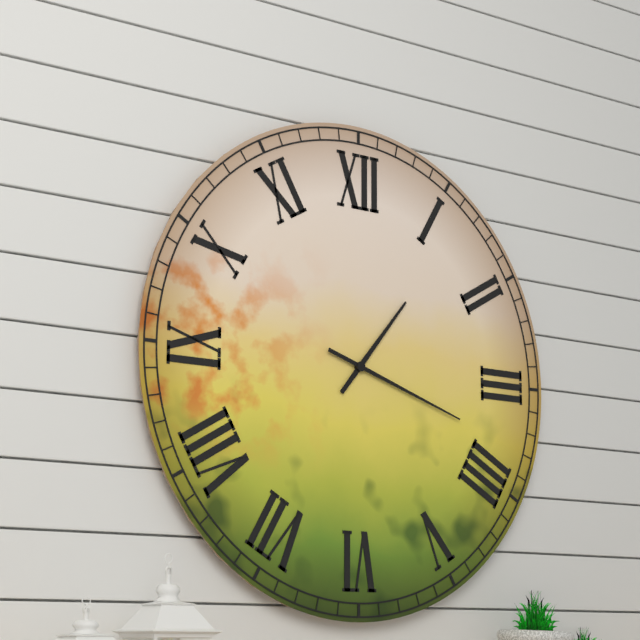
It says 1:18
